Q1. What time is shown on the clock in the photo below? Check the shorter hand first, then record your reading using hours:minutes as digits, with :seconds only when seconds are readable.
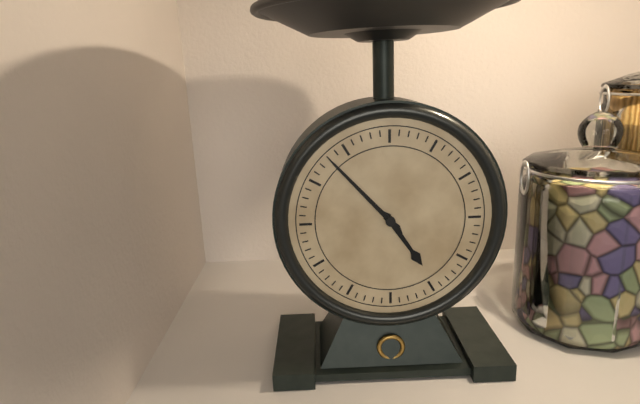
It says 4:53
